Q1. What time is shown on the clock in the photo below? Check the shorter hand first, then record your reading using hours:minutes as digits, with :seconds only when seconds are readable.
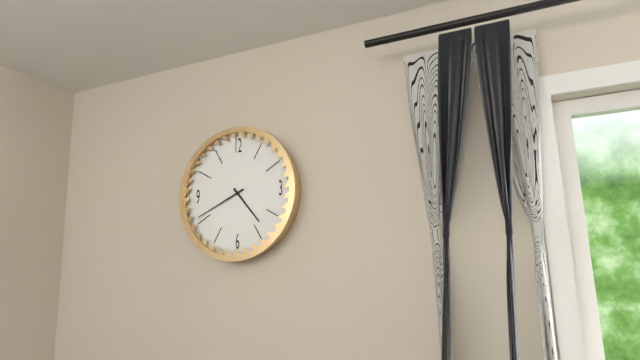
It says 4:41
